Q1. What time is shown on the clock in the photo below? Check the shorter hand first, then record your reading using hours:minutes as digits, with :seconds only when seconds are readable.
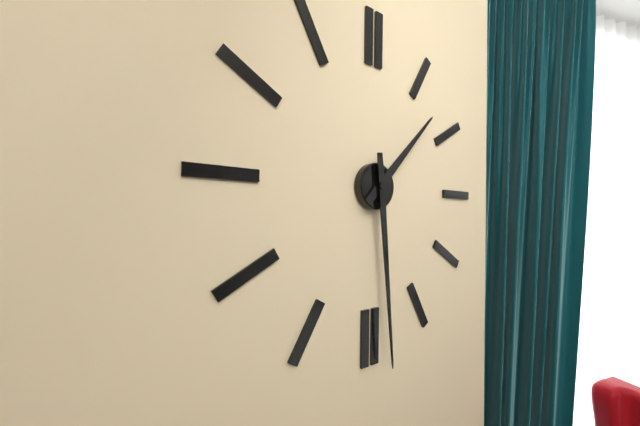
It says 1:29
